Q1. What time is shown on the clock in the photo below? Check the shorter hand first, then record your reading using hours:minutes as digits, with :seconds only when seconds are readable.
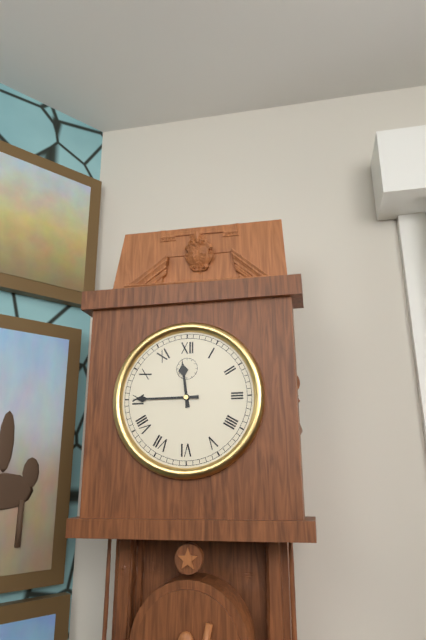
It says 11:45
